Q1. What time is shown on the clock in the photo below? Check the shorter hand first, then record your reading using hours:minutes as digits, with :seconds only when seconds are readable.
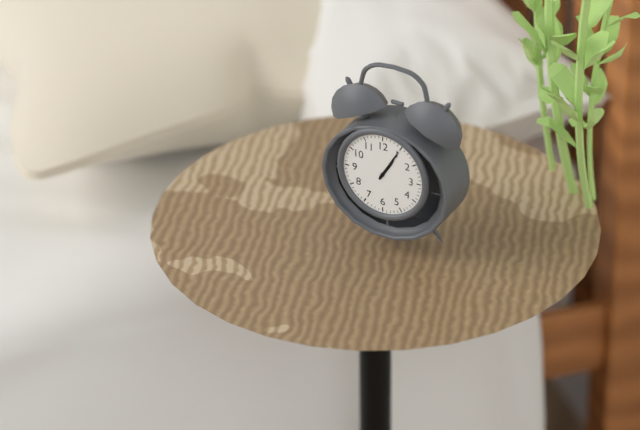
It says 1:05
